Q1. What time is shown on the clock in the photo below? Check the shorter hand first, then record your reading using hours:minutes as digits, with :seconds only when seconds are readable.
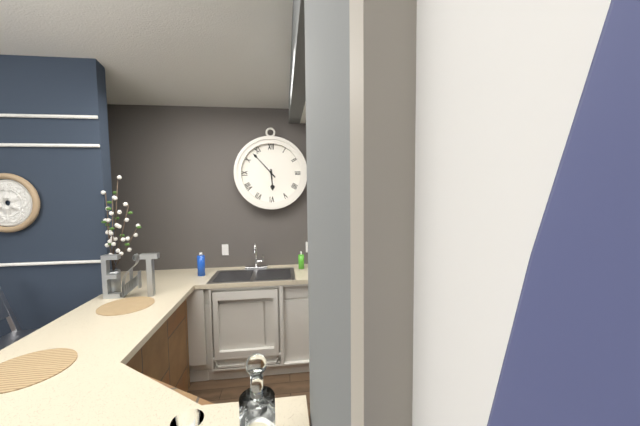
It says 5:53
